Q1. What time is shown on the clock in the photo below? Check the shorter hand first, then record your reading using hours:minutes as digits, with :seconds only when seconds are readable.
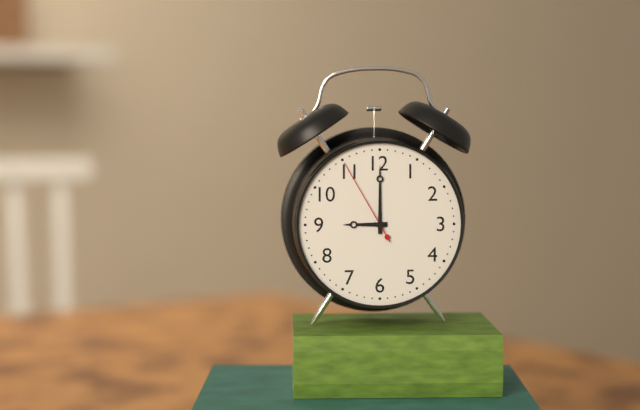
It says 9:00:55
